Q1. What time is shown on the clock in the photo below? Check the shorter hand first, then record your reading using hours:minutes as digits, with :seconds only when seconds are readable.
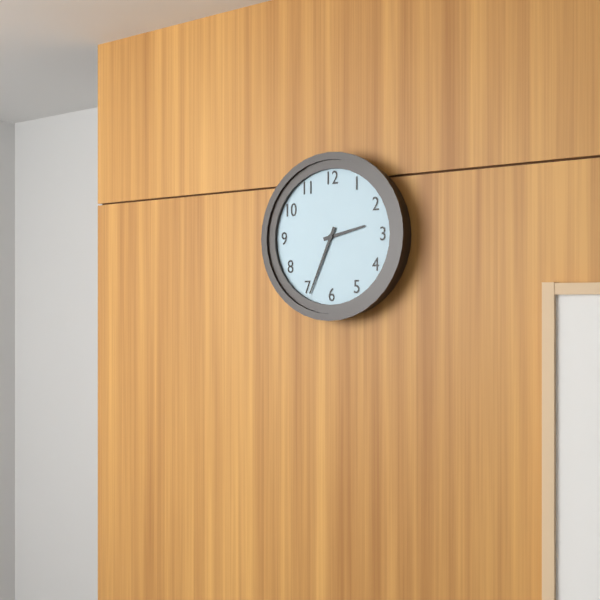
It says 2:34
